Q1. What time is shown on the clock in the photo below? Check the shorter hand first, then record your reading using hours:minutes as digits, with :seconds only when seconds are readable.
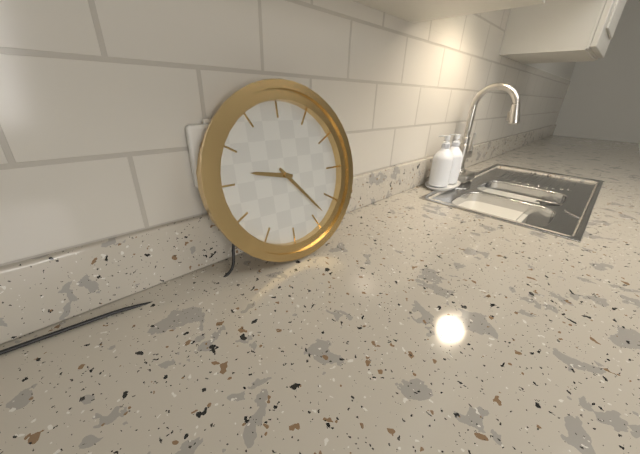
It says 9:23
